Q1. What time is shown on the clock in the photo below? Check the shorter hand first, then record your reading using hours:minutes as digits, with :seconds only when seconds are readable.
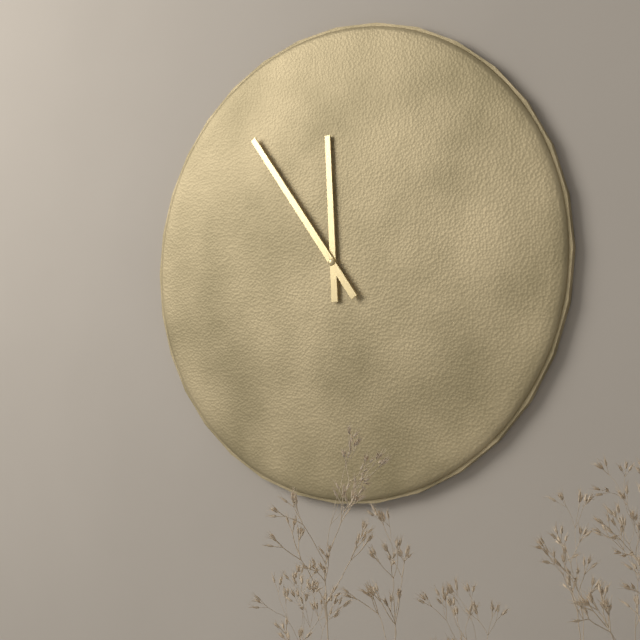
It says 11:54
